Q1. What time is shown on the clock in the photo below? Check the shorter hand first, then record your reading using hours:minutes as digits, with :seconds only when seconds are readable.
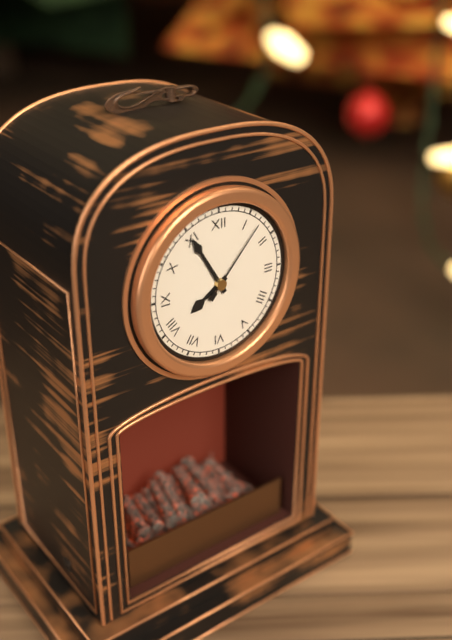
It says 7:55:07
